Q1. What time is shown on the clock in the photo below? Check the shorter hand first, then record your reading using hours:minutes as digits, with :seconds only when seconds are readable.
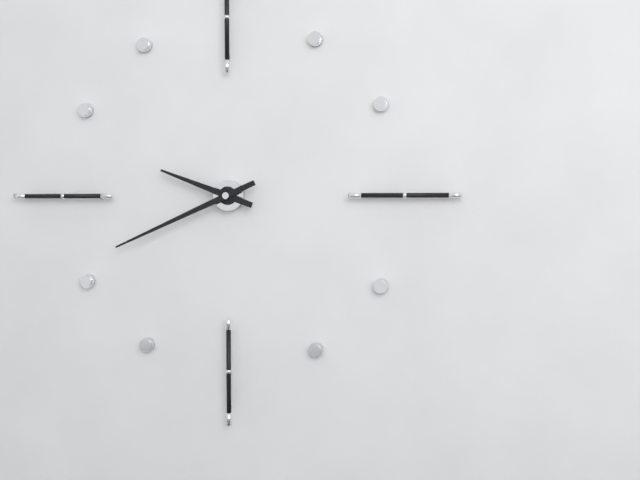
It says 9:41
